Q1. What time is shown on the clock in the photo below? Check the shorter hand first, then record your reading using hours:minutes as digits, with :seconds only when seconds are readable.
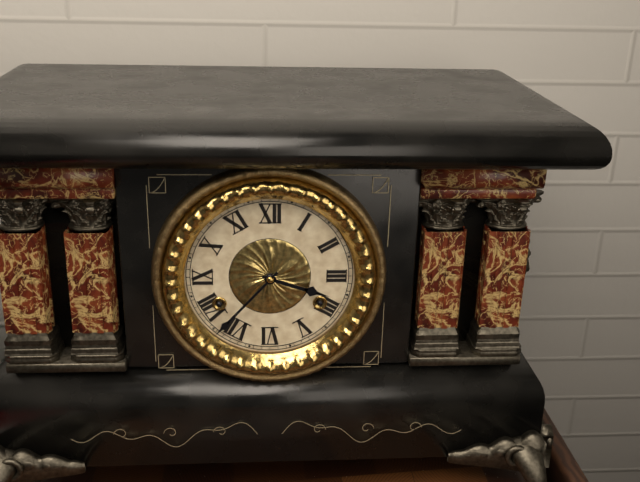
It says 3:37
